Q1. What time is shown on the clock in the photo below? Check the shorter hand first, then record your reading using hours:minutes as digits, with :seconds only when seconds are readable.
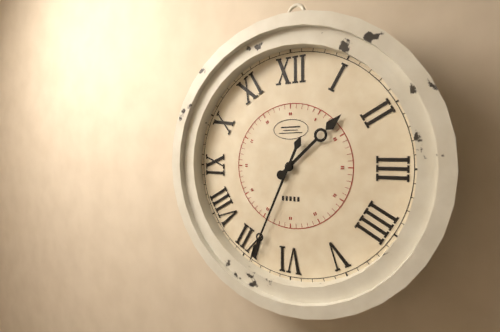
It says 1:34
